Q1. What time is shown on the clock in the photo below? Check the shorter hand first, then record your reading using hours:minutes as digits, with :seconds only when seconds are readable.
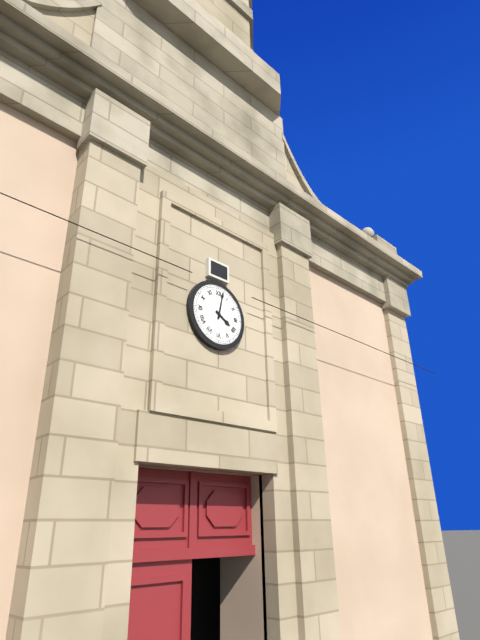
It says 4:02
